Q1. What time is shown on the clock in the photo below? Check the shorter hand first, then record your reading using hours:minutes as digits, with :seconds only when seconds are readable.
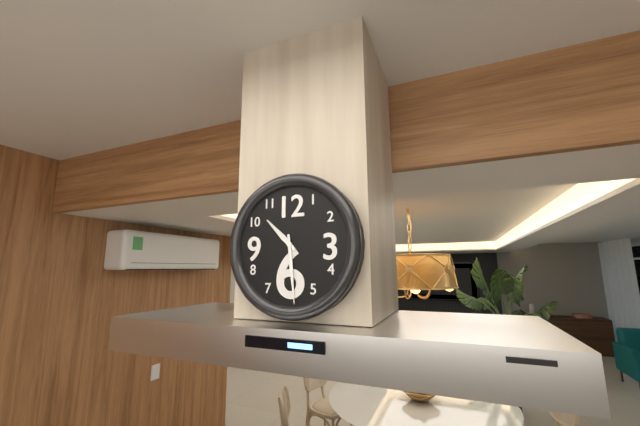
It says 10:29
